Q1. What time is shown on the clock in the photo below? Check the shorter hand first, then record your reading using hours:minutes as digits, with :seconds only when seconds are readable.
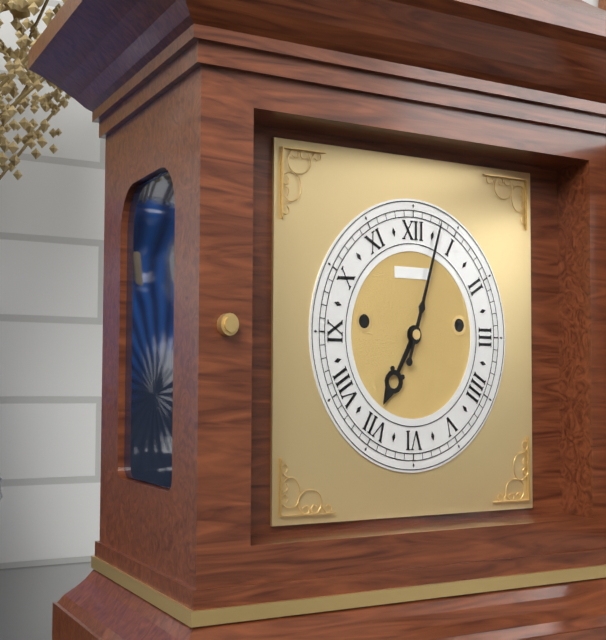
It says 7:03
